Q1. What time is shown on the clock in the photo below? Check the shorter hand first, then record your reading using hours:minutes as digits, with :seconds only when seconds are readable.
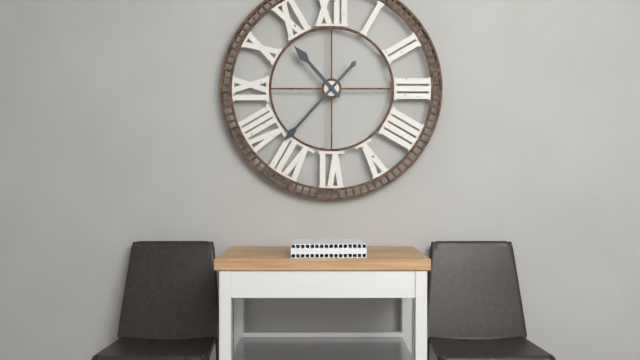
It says 10:37
